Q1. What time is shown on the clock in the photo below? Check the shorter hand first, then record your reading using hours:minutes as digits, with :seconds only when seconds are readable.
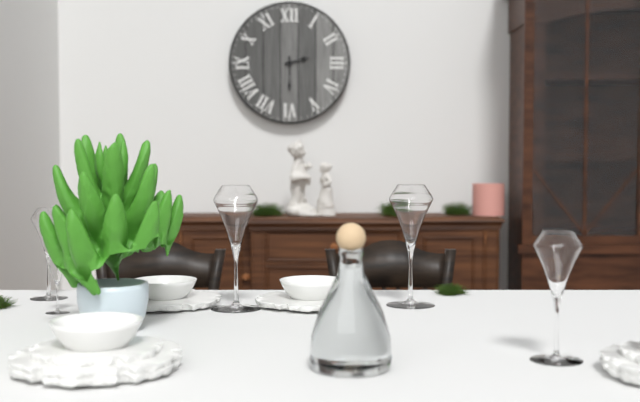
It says 2:30
